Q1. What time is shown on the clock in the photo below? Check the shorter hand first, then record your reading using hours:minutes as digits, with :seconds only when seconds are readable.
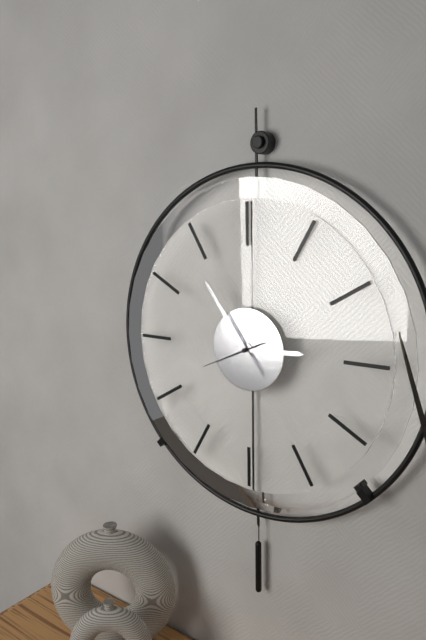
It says 2:54:41
